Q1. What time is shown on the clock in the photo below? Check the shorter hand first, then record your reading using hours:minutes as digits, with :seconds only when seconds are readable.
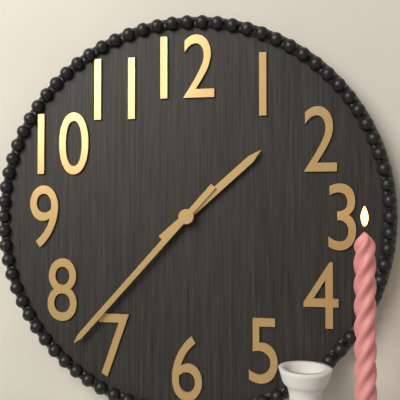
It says 1:37
